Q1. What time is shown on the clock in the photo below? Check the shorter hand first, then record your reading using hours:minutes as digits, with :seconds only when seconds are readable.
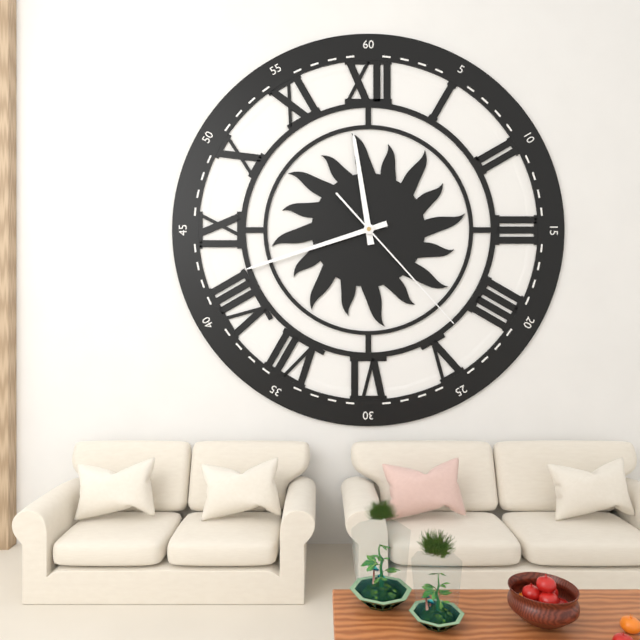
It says 11:42:23
